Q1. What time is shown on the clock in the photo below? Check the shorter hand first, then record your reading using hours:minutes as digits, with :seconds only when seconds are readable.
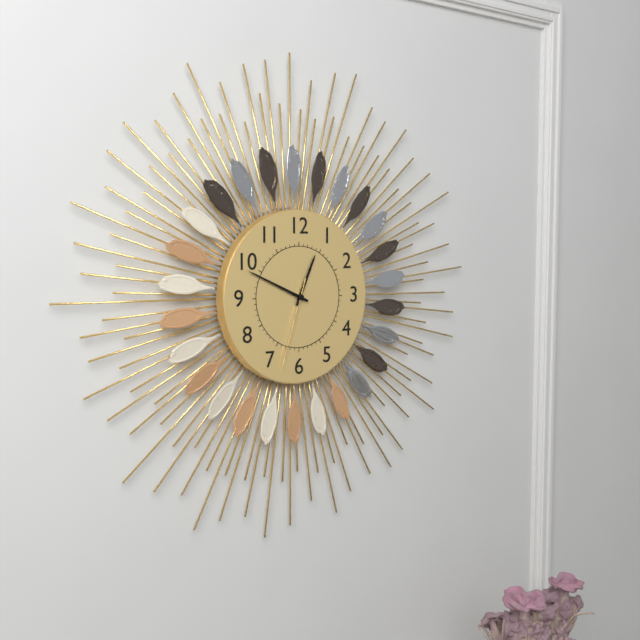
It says 12:49:33
